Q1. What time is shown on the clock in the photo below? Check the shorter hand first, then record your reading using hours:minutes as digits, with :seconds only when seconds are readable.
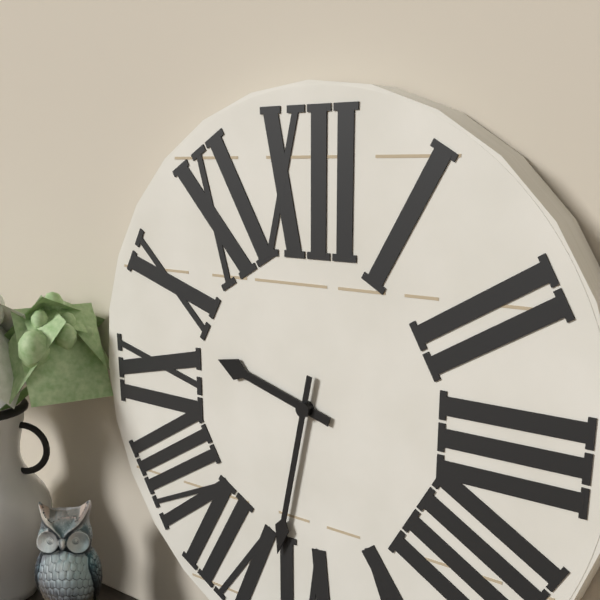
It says 9:32
